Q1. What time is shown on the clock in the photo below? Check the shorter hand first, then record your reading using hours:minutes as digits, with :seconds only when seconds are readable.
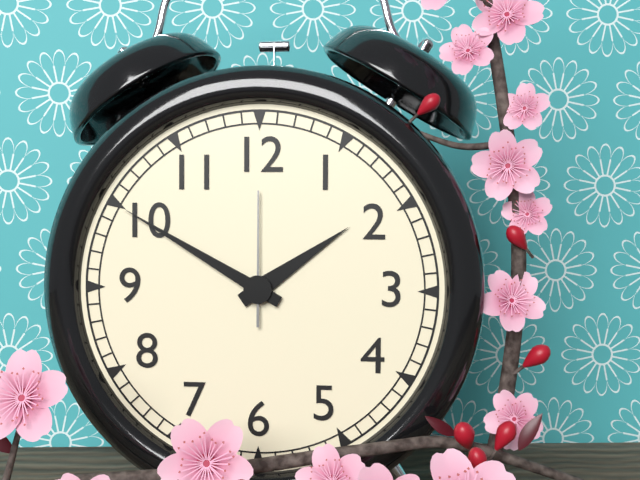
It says 1:50:00
